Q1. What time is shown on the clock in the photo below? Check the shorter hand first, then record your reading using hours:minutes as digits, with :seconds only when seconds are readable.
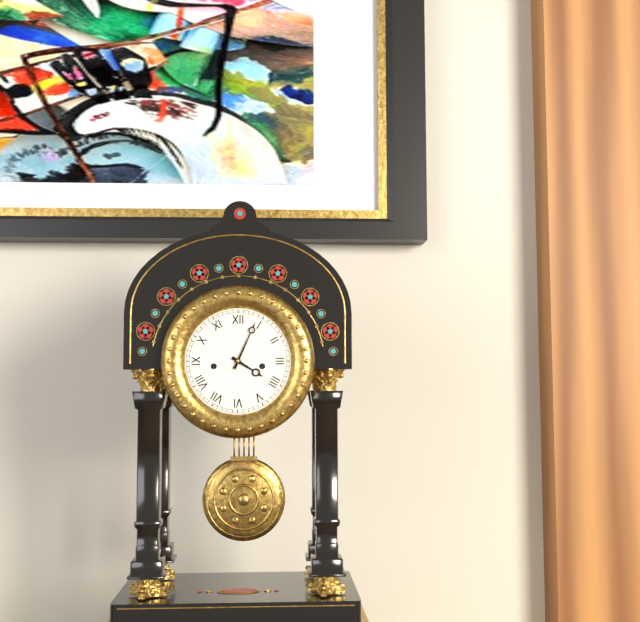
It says 4:04
